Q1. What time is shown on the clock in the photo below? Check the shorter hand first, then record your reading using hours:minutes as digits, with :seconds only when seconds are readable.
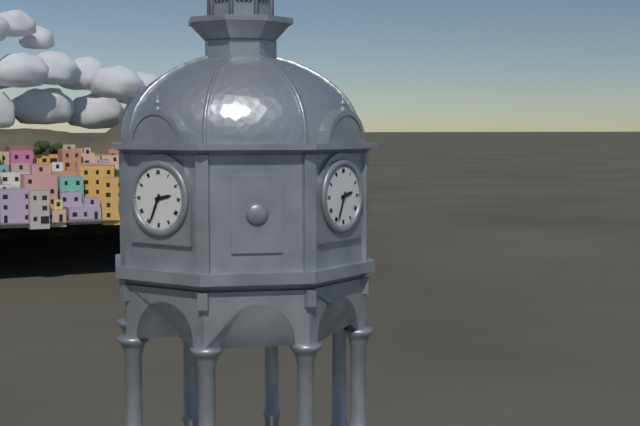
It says 2:34
